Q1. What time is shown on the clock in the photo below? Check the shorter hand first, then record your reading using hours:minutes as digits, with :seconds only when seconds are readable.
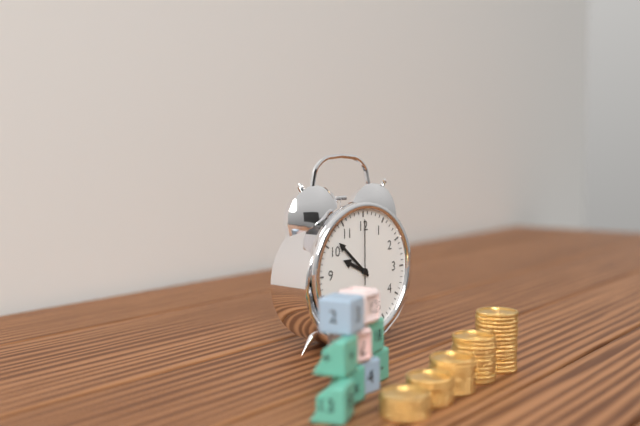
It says 9:52:00
